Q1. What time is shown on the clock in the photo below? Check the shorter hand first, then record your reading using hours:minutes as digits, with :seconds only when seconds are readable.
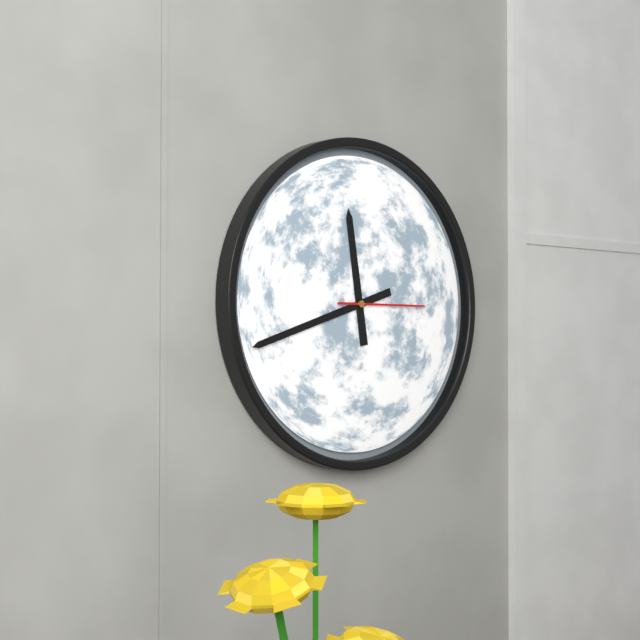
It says 11:42:15
